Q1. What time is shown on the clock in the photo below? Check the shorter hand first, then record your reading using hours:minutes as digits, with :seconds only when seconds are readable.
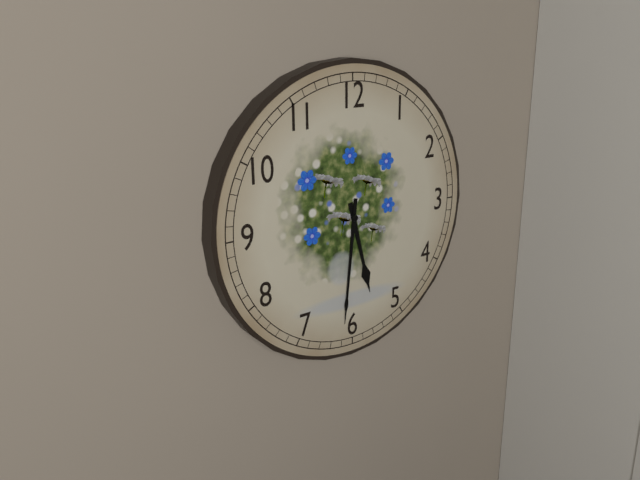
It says 5:31
